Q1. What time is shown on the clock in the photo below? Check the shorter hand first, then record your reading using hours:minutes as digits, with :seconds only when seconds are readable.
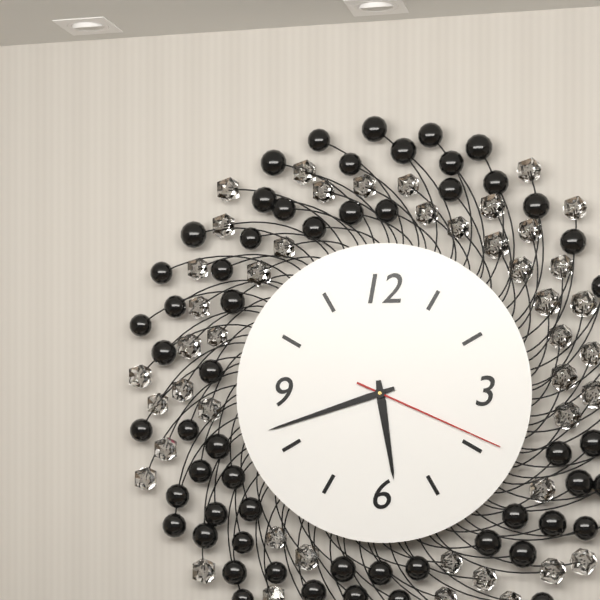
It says 5:42:19
